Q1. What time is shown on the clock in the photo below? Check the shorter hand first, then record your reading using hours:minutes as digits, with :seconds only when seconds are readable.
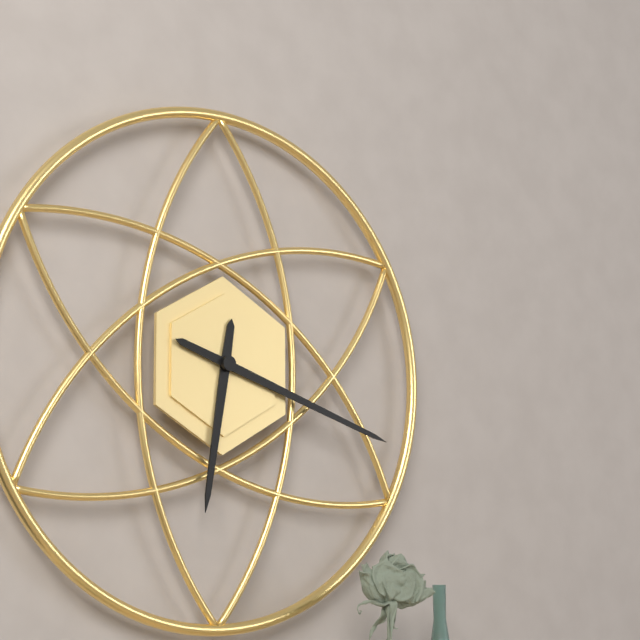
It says 6:18
